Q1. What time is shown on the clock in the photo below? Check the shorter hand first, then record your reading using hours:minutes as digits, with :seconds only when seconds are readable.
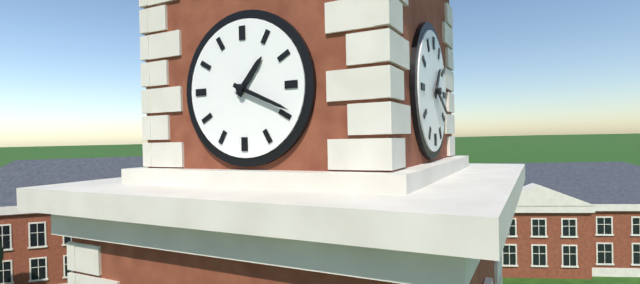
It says 1:19
